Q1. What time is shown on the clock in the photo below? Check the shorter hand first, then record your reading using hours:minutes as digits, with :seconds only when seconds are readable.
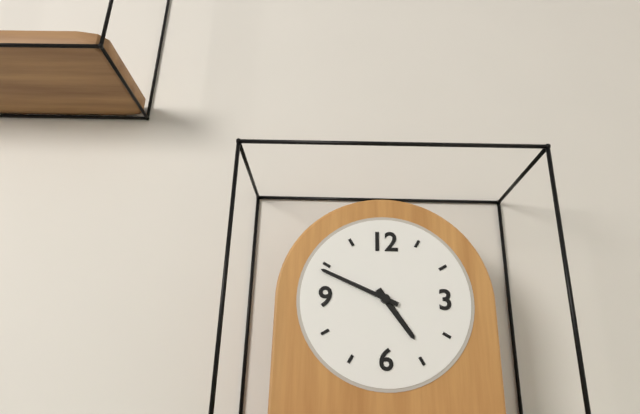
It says 4:49
